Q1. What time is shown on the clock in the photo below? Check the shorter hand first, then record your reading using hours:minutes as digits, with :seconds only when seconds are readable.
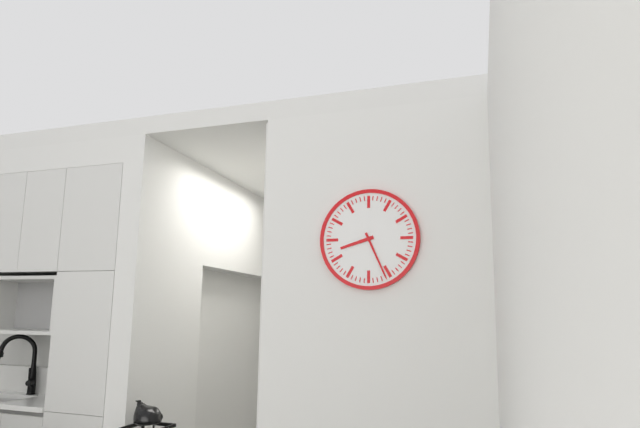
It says 8:26
